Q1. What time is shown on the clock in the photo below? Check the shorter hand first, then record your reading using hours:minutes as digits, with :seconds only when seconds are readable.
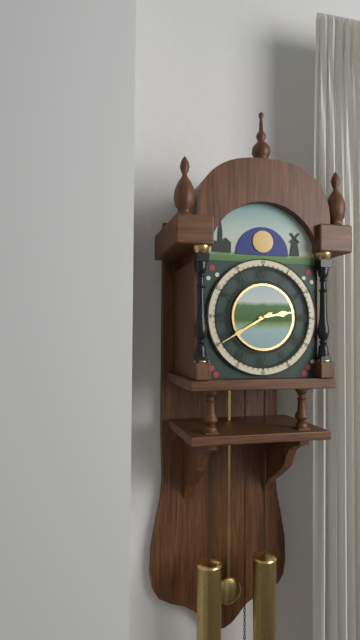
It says 2:40
